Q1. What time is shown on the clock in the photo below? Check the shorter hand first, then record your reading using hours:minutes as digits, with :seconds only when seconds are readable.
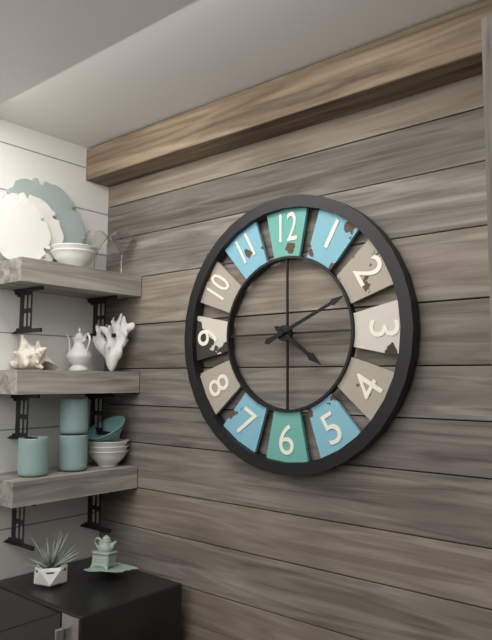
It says 4:11
